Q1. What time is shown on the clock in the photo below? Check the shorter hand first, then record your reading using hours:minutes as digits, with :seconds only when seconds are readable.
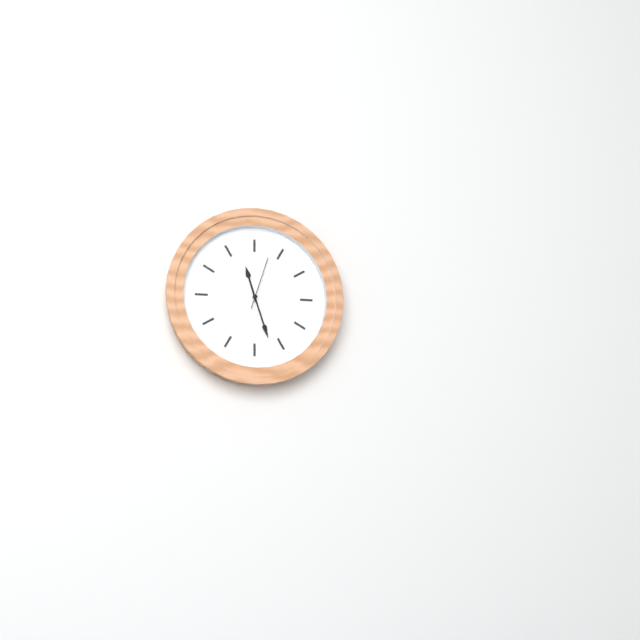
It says 11:27:03
